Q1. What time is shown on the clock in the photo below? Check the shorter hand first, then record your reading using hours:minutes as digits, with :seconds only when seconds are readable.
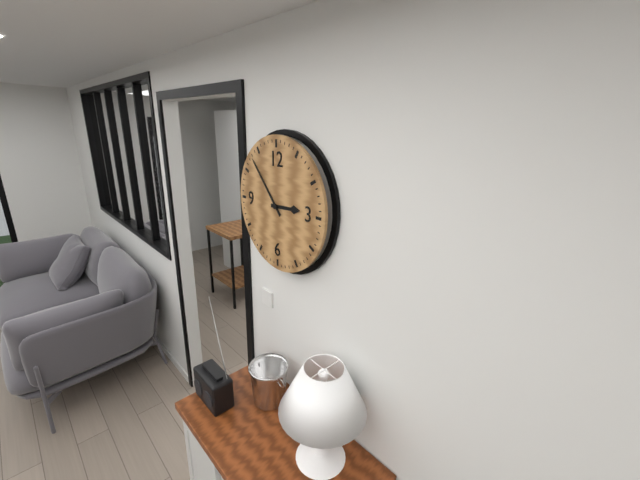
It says 2:53
